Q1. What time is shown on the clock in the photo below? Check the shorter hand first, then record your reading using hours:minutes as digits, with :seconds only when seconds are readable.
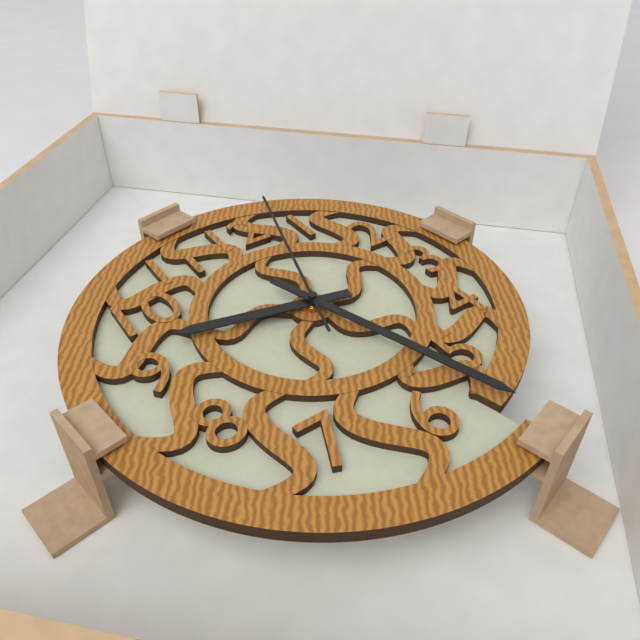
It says 9:27:03
